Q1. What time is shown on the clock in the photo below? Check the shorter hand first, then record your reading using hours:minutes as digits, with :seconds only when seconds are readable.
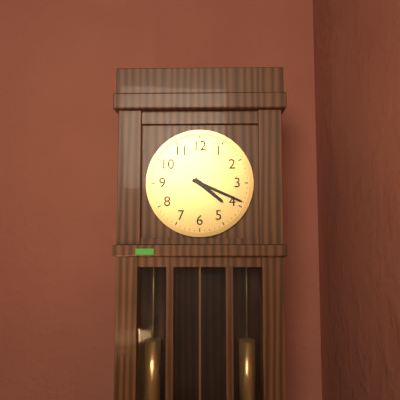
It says 4:19
